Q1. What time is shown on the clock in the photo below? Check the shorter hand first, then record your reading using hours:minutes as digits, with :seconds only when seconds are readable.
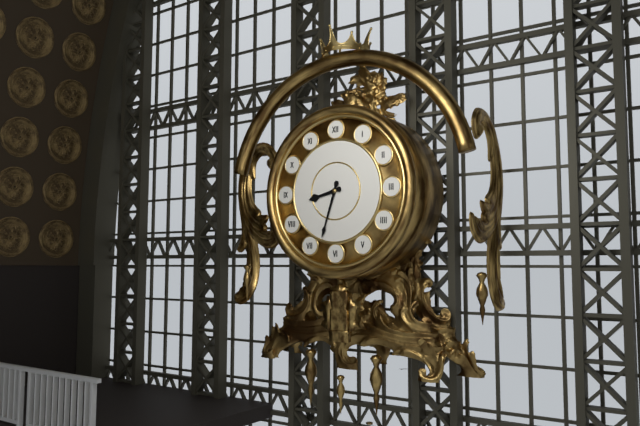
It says 8:33
